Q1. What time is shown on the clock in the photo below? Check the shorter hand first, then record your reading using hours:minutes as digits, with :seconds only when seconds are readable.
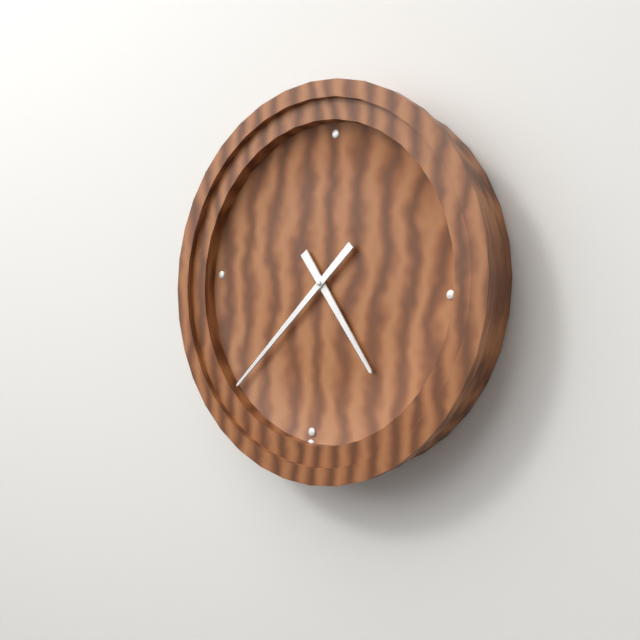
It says 4:37
